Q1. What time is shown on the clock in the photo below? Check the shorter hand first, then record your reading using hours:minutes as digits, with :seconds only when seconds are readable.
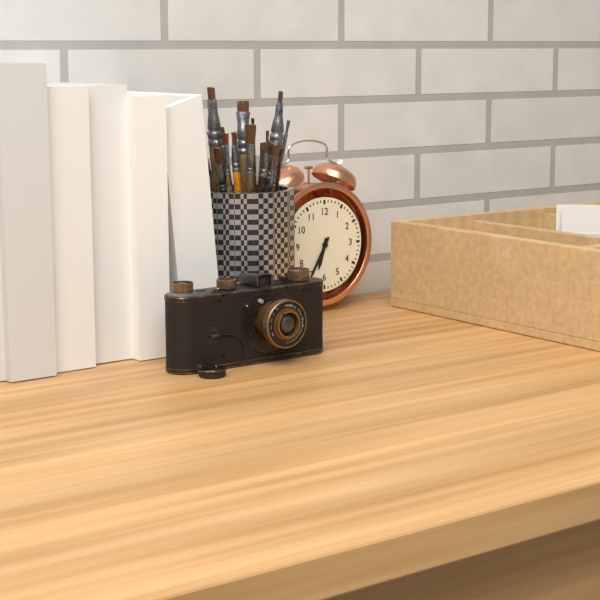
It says 6:35
